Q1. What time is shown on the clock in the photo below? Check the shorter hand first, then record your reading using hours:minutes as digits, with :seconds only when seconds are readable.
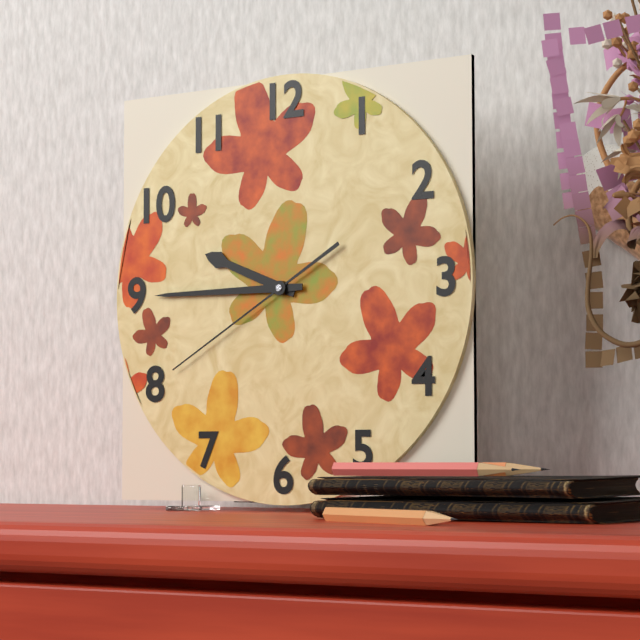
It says 9:45:40
